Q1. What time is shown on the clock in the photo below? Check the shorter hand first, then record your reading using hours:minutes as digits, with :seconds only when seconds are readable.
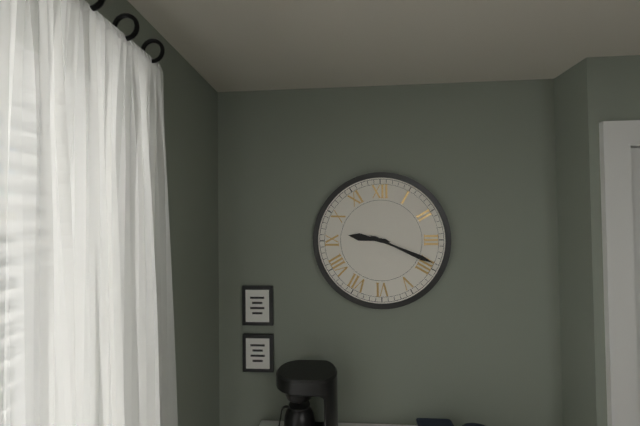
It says 9:19
